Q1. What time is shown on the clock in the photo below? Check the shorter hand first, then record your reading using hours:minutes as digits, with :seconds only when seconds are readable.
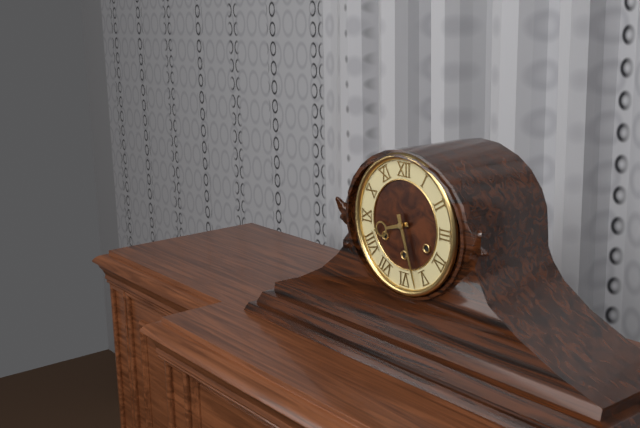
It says 8:27
